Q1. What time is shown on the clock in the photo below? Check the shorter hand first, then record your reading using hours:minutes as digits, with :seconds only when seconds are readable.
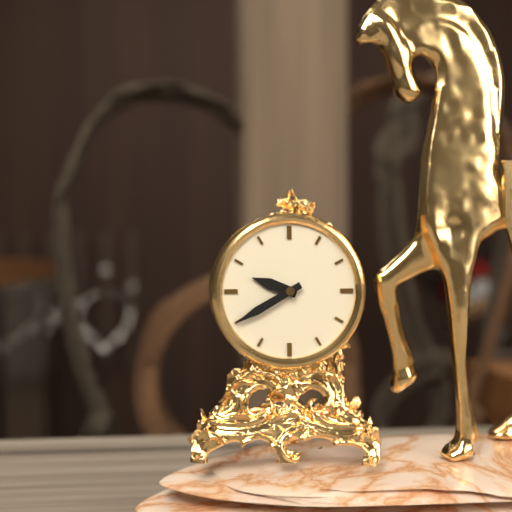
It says 9:40
